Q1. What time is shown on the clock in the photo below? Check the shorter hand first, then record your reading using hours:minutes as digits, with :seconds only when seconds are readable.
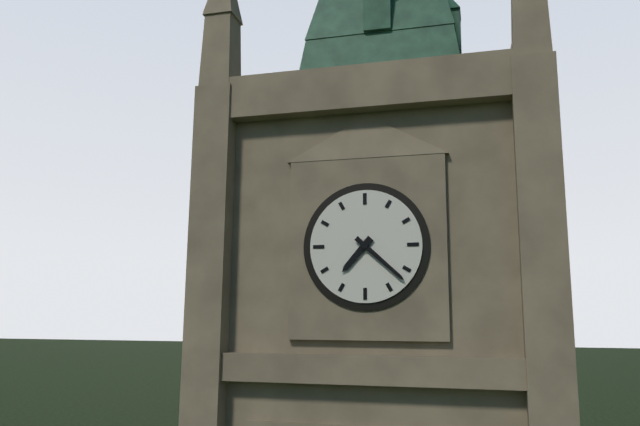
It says 7:22
